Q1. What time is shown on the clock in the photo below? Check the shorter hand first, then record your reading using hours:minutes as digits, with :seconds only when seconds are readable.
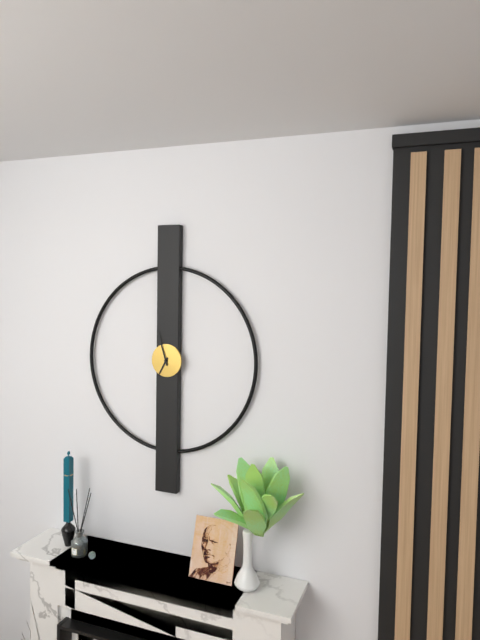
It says 6:57
